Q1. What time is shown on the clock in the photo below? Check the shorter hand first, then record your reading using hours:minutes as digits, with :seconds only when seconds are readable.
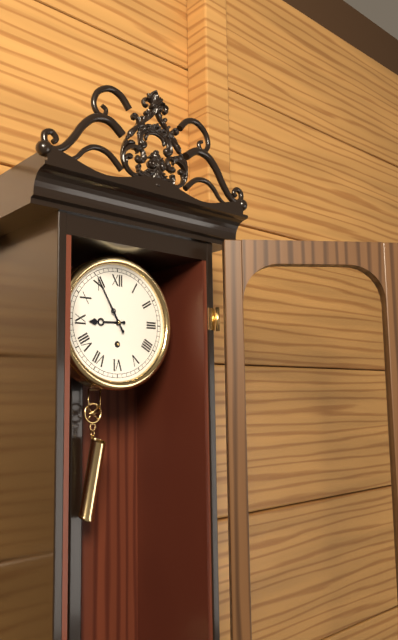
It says 8:55
